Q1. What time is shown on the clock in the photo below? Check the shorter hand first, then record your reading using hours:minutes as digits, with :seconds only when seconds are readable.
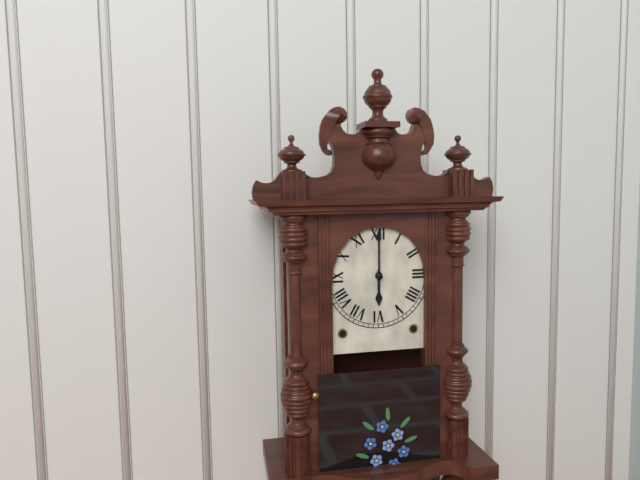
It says 6:00
